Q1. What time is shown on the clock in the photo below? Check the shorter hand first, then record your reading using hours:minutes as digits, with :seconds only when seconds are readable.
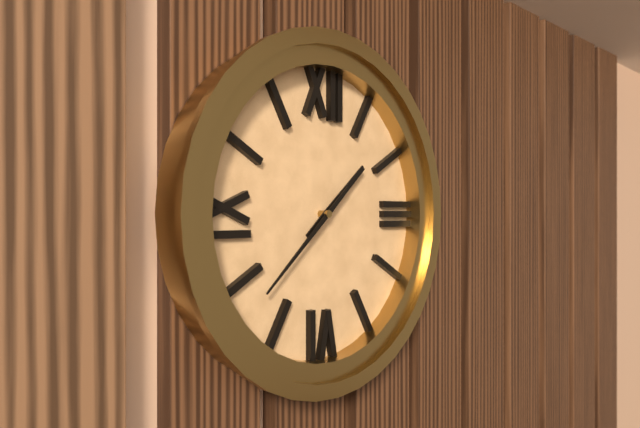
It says 1:38
